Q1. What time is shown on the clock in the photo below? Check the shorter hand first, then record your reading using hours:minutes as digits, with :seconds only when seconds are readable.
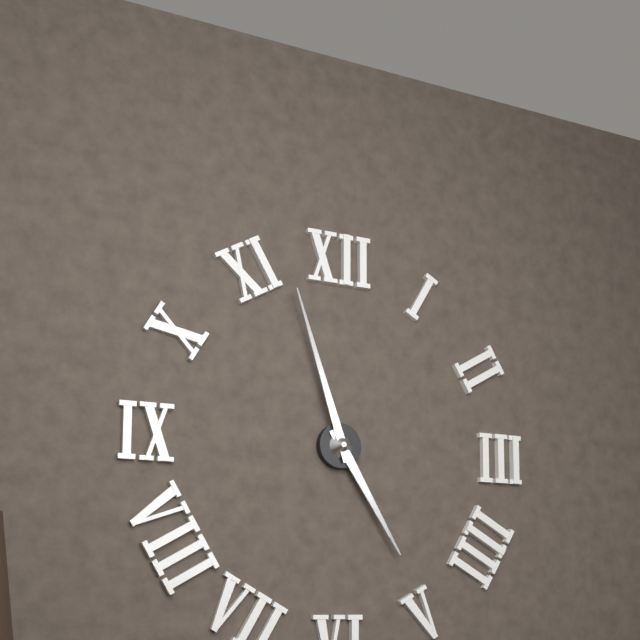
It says 4:57
